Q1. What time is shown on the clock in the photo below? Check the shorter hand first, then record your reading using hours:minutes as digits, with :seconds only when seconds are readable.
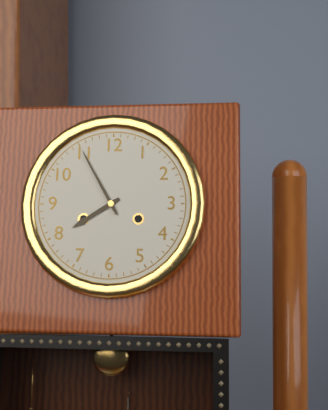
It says 7:55
